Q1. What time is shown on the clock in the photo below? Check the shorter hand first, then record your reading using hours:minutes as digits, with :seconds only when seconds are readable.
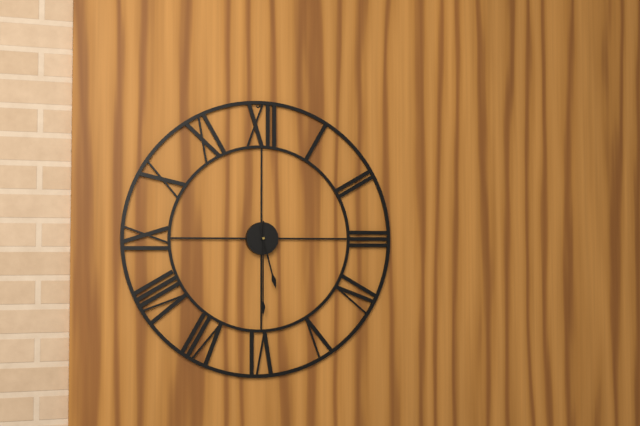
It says 5:30
